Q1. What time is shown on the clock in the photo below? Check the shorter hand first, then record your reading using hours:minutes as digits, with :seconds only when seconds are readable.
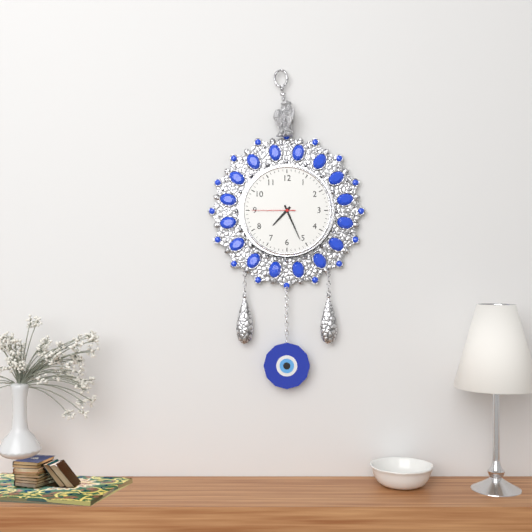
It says 7:26
